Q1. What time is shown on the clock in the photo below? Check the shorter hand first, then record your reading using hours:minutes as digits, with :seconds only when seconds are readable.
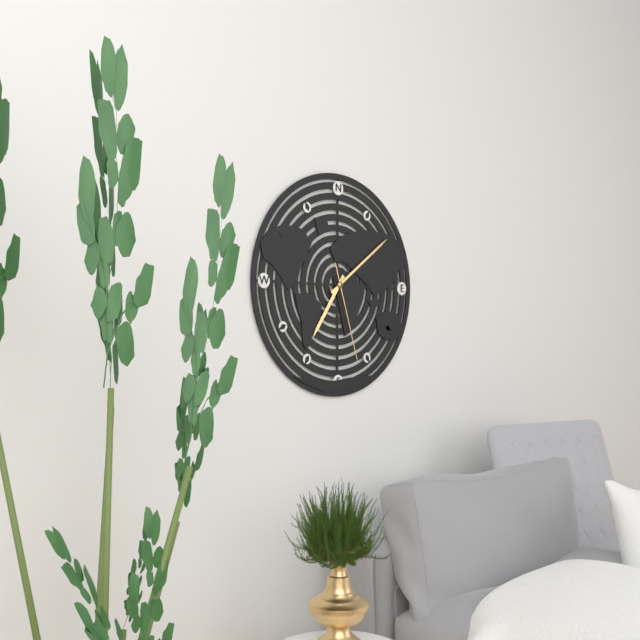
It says 7:09:27
